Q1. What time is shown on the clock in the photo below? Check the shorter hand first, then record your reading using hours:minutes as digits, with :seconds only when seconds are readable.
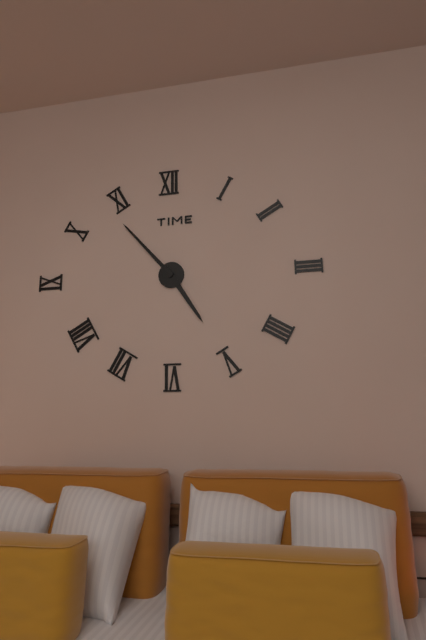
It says 4:53
